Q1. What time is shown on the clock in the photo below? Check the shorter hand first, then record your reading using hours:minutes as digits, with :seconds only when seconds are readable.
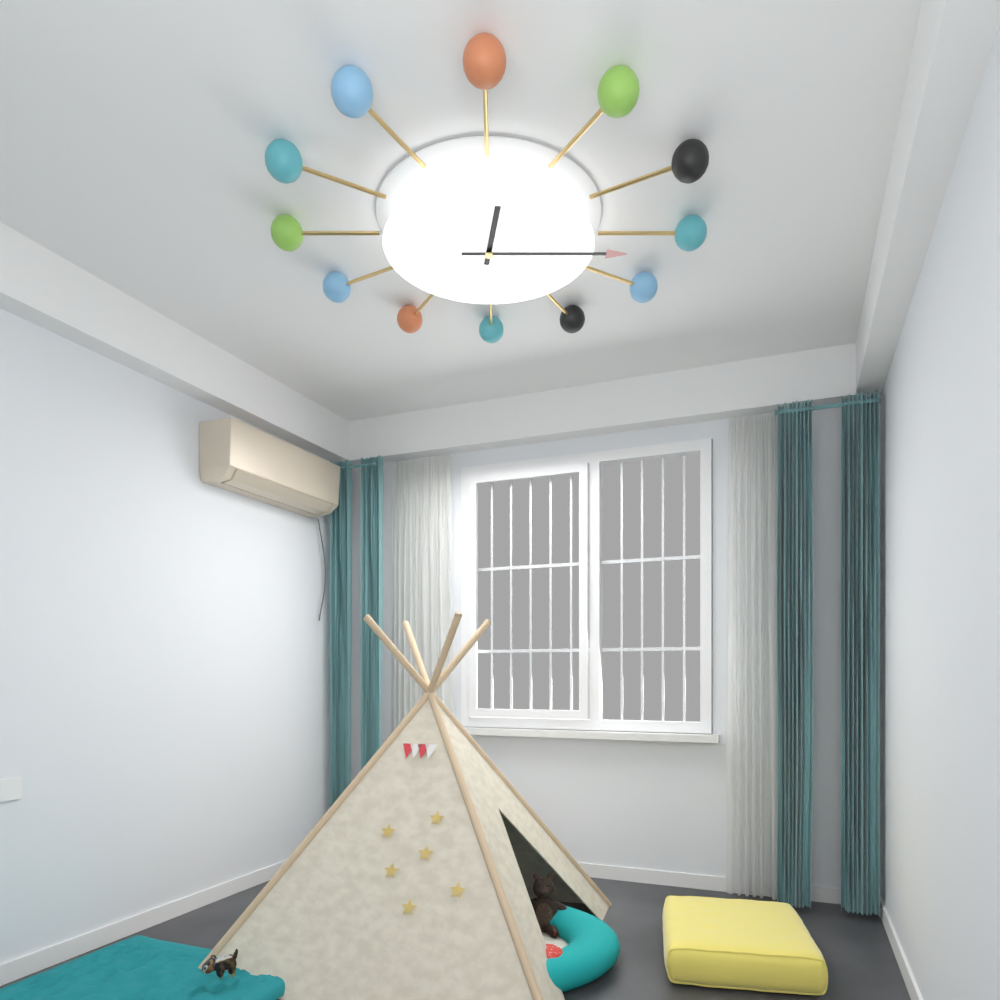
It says 12:15
